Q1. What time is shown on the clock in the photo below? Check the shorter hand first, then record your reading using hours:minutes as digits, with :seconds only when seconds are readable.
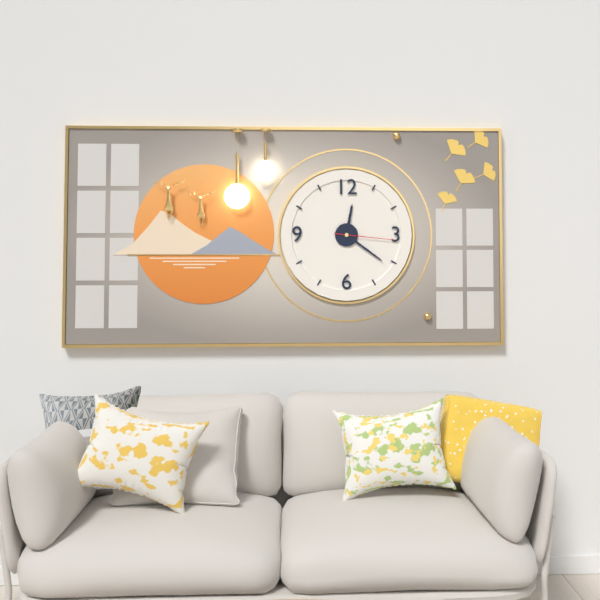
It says 12:21:16
